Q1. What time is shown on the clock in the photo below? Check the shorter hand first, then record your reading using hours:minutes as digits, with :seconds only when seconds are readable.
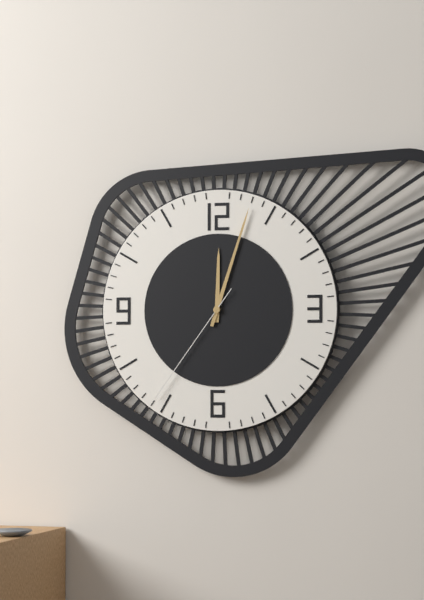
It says 12:03:36
